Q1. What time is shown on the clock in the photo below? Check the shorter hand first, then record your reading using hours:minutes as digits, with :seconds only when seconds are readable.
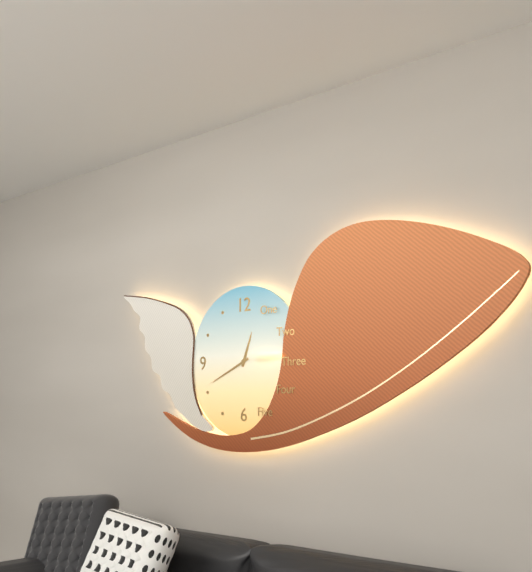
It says 12:41
